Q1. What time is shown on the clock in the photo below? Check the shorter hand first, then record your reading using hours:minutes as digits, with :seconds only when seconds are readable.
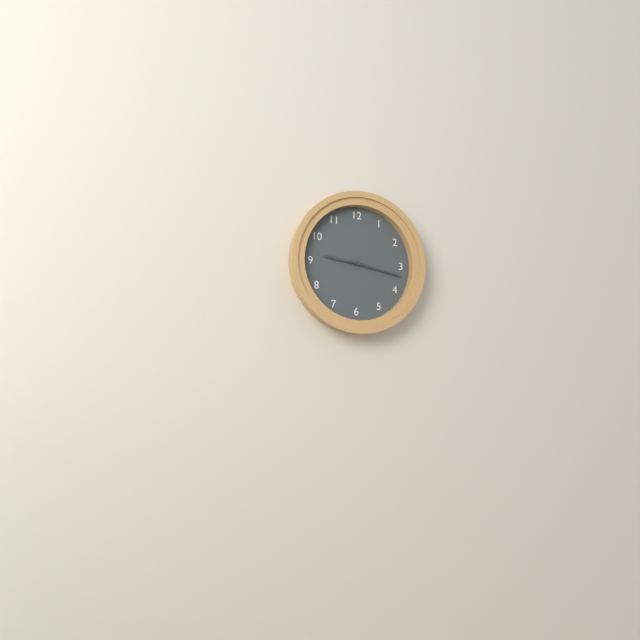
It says 9:17
